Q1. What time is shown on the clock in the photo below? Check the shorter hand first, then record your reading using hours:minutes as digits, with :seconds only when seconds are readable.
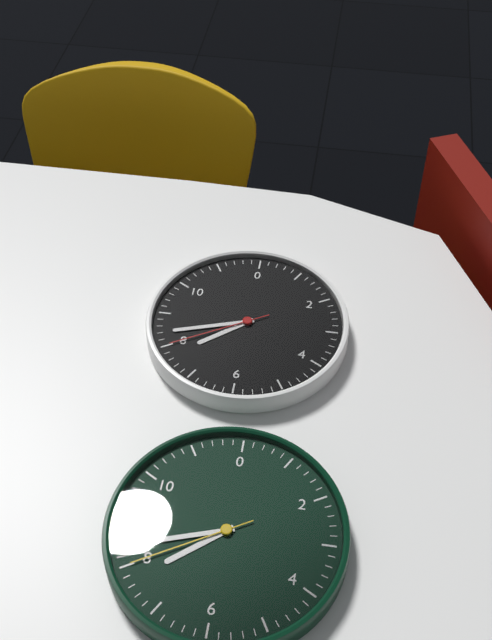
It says 7:42:40
